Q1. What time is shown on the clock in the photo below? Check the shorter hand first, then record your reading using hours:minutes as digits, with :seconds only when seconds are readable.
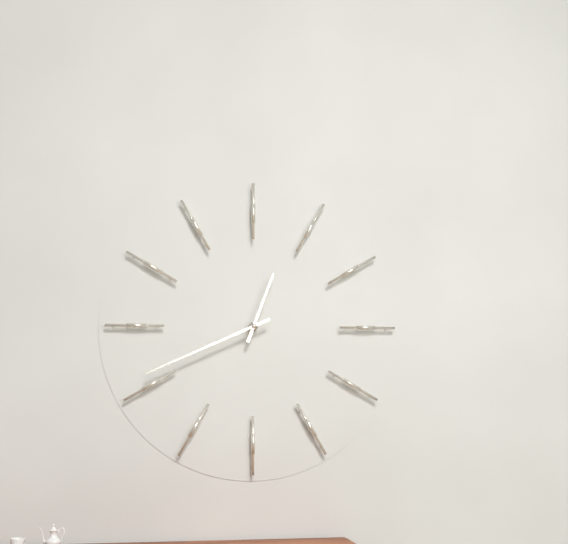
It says 12:41
